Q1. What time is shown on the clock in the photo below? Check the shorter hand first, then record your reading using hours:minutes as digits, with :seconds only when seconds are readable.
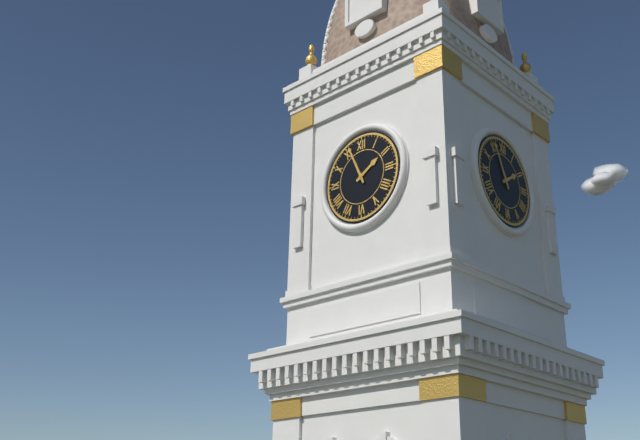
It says 1:56
